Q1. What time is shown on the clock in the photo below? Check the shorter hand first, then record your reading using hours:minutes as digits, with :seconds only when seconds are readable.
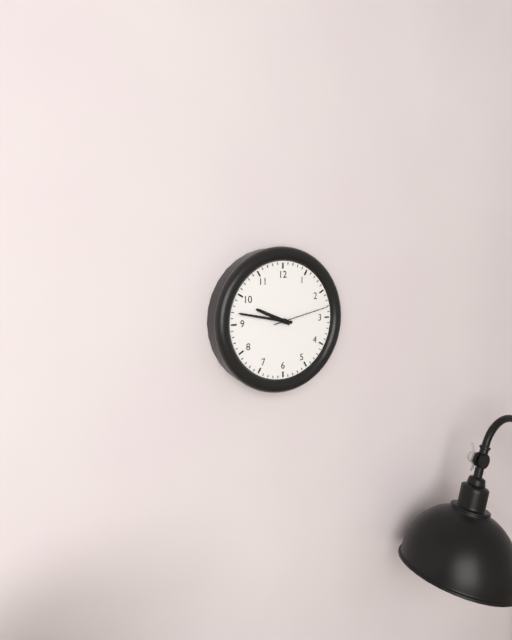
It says 9:47:13
